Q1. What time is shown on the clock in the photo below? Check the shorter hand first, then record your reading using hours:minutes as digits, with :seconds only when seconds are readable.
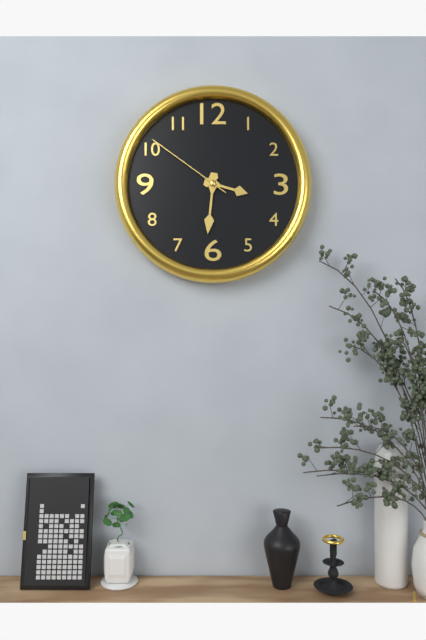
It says 3:31:51
